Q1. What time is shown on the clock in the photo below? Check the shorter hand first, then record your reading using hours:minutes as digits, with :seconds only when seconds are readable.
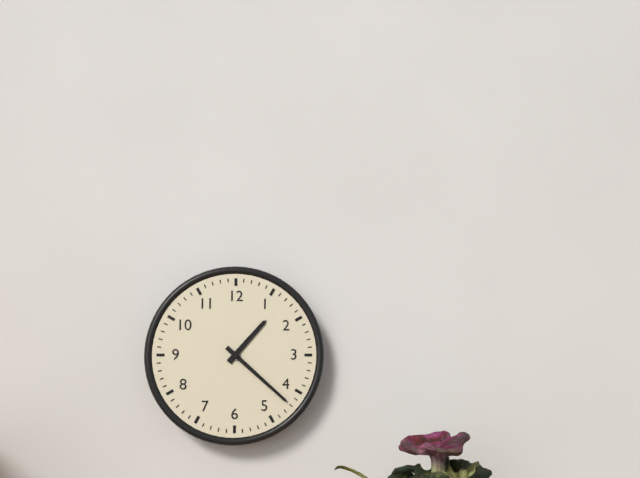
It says 1:22
